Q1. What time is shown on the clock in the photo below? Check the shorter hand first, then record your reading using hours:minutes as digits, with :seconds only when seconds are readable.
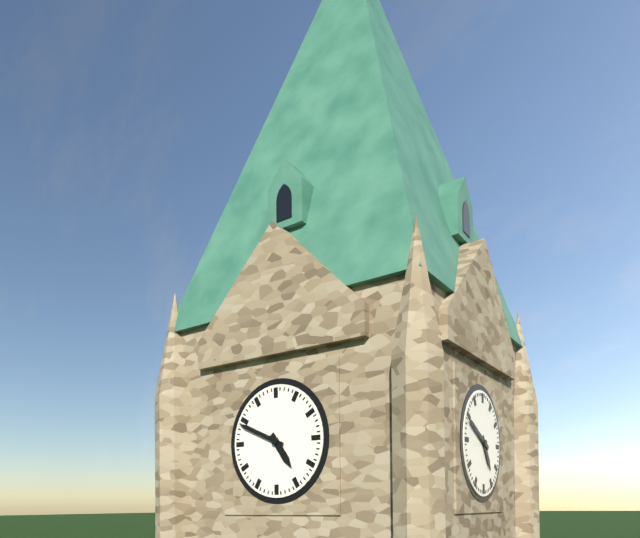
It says 4:49
